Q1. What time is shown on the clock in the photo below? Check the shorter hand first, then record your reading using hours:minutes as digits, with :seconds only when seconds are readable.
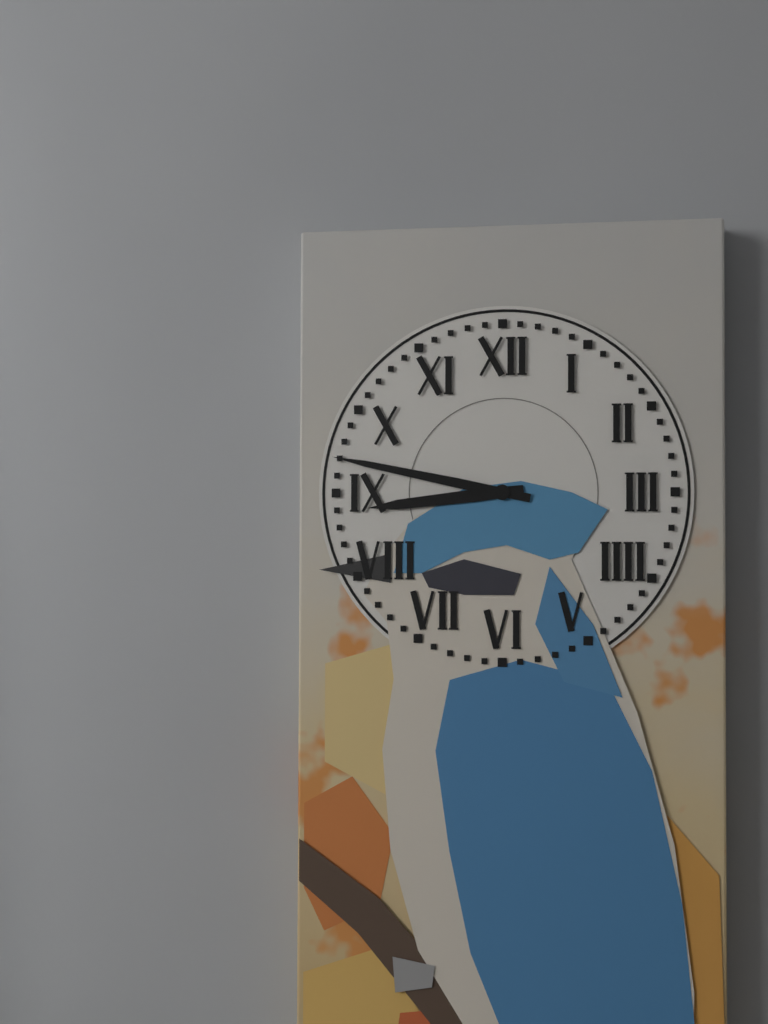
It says 8:47
